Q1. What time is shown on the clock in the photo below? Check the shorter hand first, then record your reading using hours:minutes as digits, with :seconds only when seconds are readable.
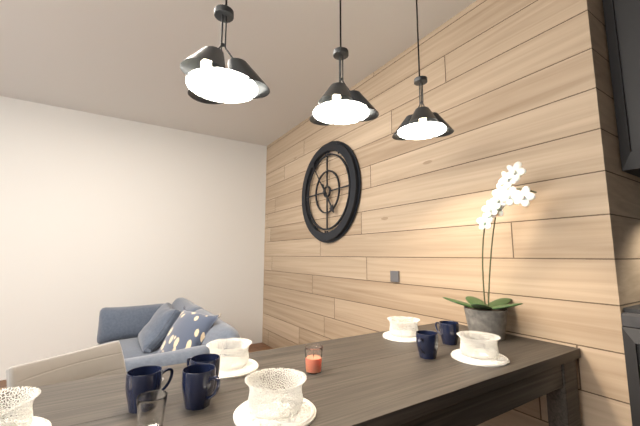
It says 4:54
